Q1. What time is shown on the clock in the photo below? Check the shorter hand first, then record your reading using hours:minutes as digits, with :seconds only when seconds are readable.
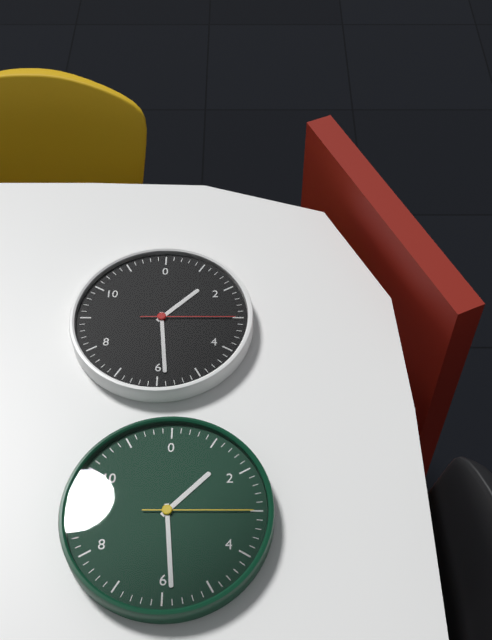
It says 1:29:15
